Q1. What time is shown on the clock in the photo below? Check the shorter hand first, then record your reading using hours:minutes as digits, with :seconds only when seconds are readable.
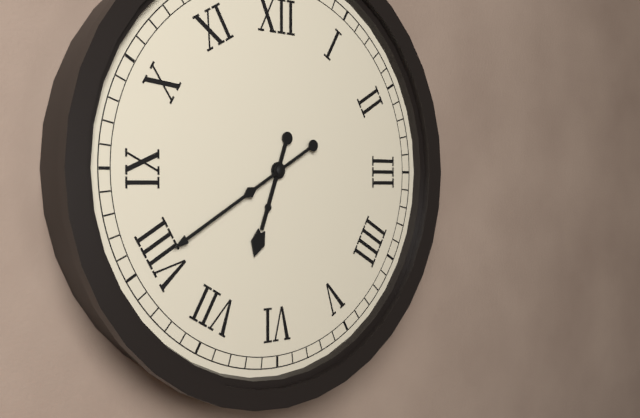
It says 6:40
